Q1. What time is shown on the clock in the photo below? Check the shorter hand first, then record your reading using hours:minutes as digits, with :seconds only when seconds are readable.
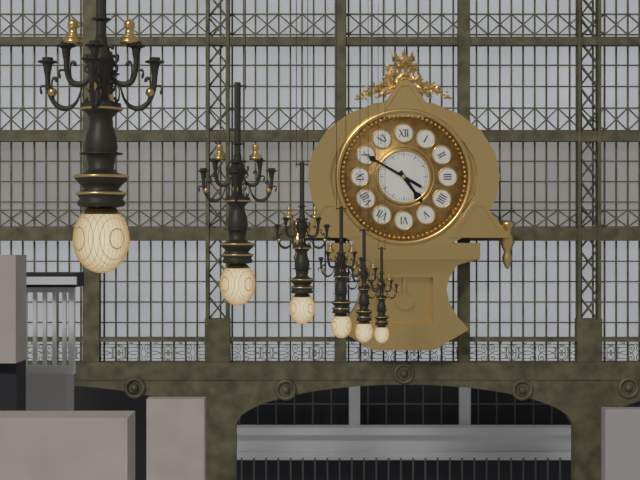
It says 4:50
